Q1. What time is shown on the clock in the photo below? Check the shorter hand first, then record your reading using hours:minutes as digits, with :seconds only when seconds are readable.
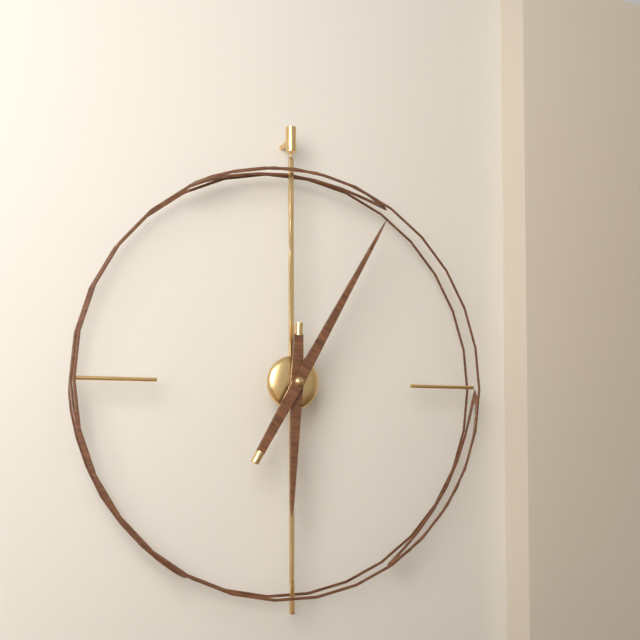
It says 6:05
